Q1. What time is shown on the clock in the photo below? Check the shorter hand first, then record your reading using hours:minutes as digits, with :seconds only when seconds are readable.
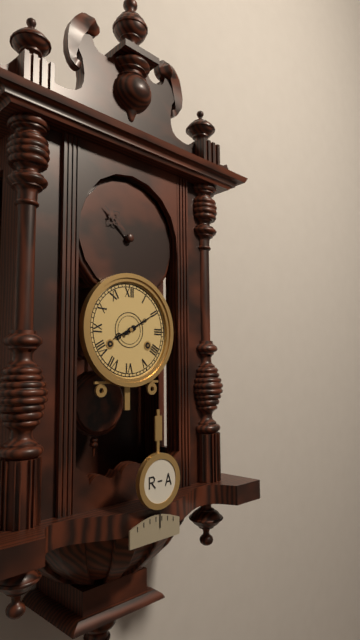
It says 8:10
